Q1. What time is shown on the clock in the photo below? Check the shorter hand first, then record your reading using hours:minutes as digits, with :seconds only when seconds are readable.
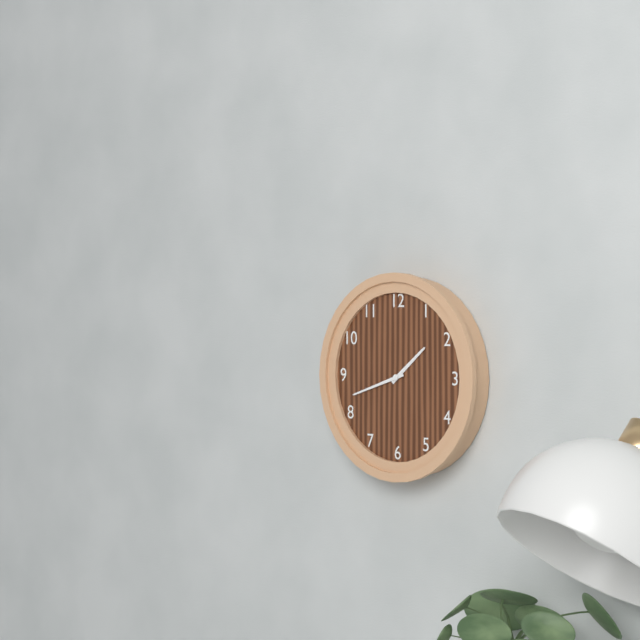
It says 1:42
